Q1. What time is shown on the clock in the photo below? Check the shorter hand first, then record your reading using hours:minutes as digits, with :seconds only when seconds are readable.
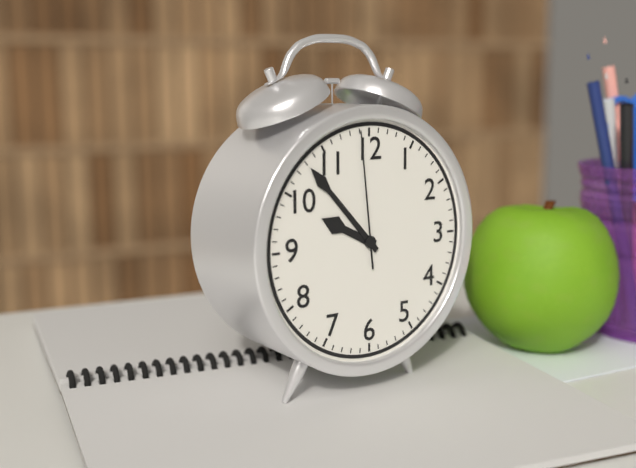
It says 9:53:59
